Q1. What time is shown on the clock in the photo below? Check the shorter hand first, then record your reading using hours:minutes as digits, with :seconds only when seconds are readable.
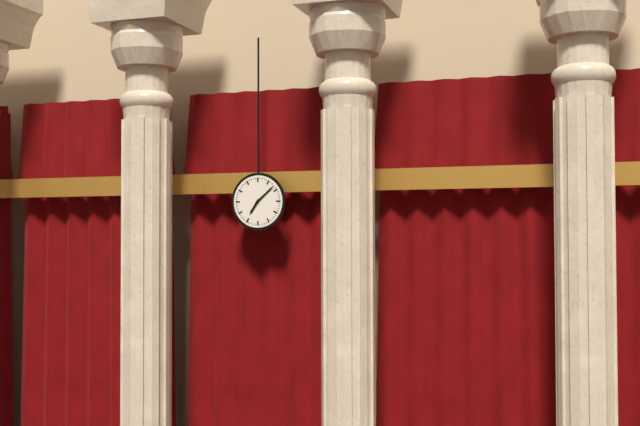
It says 7:08
